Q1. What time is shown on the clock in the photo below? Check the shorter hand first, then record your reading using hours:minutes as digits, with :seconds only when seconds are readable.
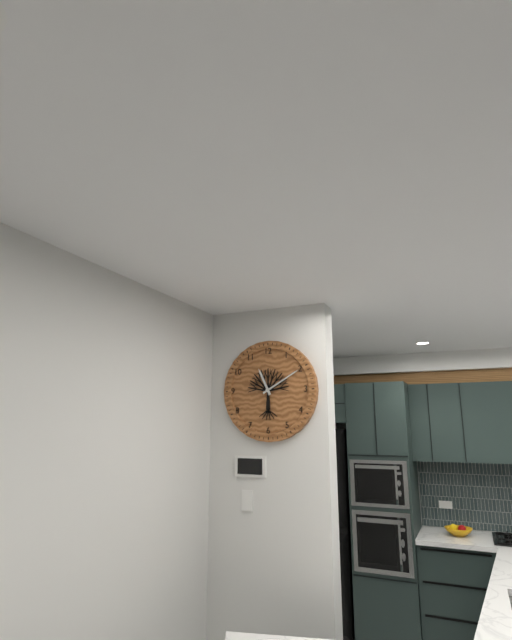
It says 11:10
